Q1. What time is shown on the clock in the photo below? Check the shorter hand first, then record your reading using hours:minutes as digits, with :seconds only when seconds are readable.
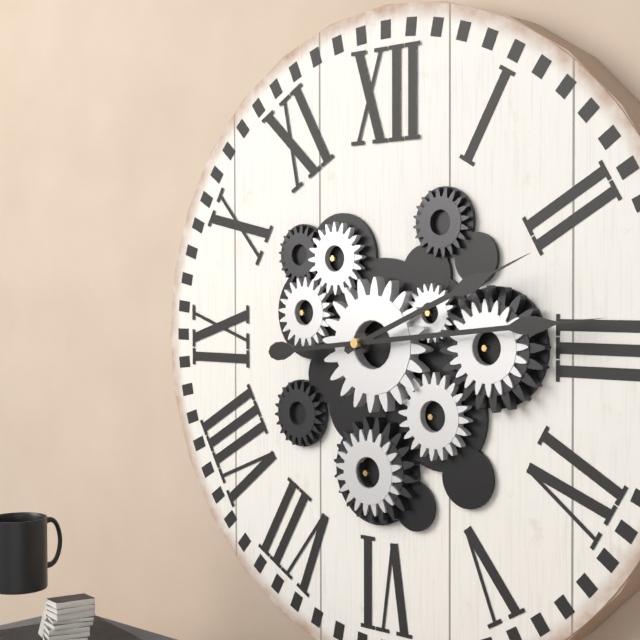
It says 2:14
